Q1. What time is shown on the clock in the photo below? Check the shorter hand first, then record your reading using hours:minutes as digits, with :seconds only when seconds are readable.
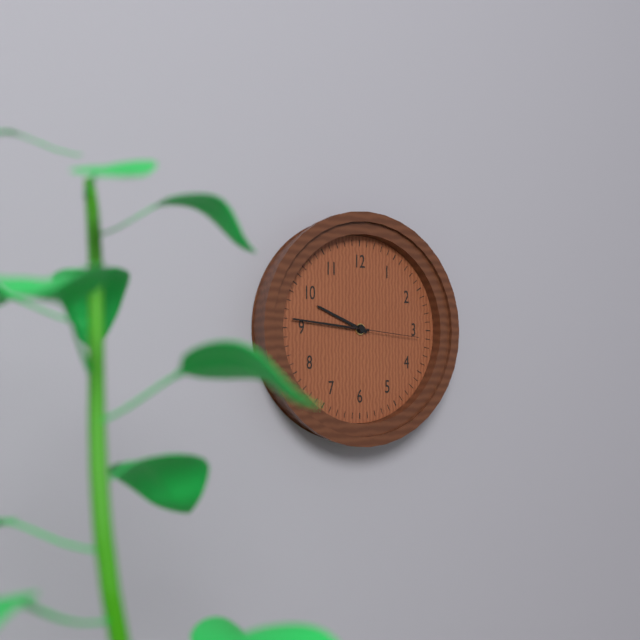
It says 9:46:16
